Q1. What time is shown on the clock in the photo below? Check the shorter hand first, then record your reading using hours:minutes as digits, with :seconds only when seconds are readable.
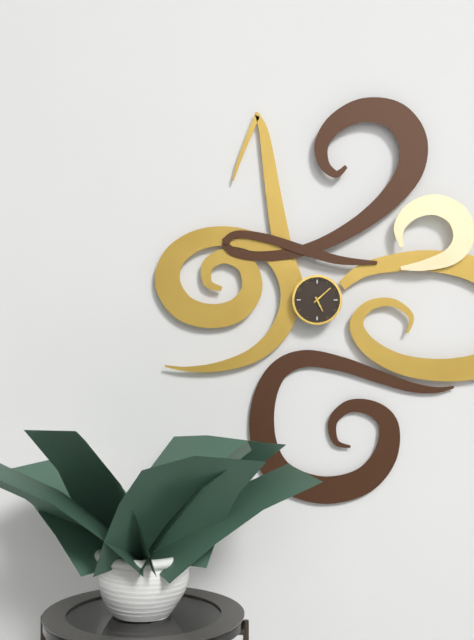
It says 5:08
